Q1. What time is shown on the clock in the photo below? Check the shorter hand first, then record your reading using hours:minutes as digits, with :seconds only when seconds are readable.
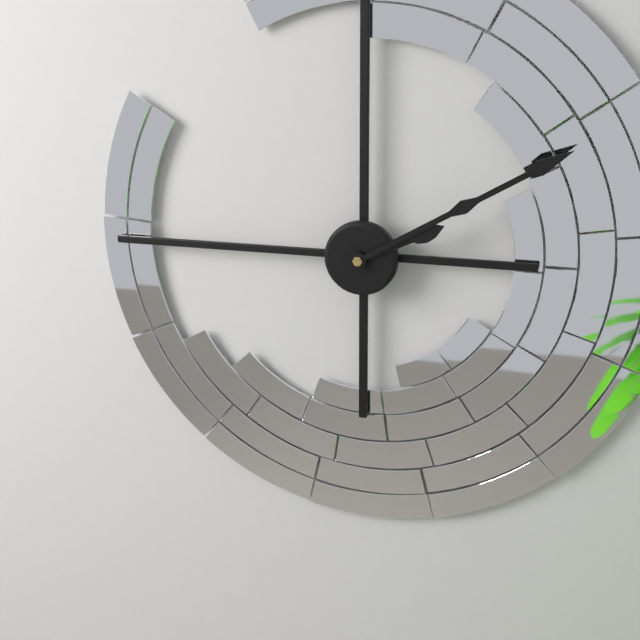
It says 2:10
